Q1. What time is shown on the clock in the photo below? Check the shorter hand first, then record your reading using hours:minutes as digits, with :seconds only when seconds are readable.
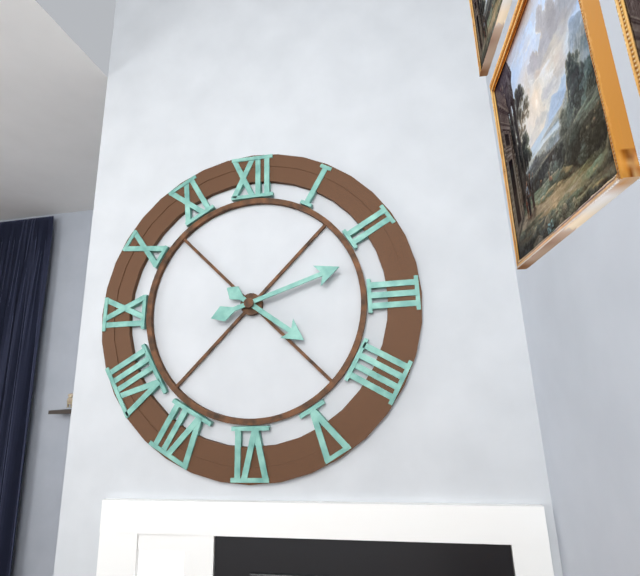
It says 4:12
